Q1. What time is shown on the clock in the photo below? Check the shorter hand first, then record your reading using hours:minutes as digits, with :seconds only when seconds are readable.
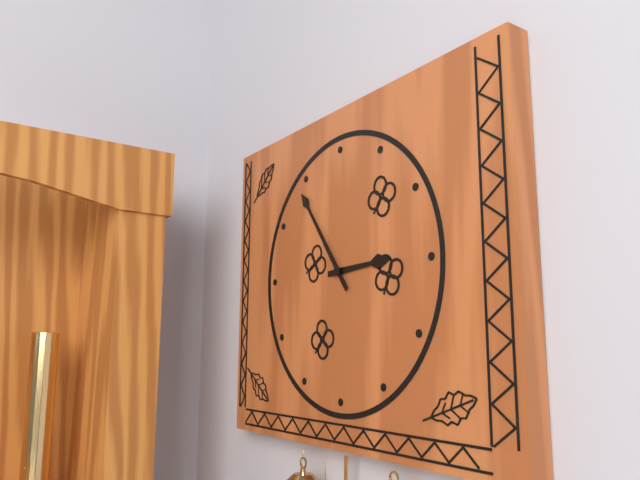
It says 2:54
